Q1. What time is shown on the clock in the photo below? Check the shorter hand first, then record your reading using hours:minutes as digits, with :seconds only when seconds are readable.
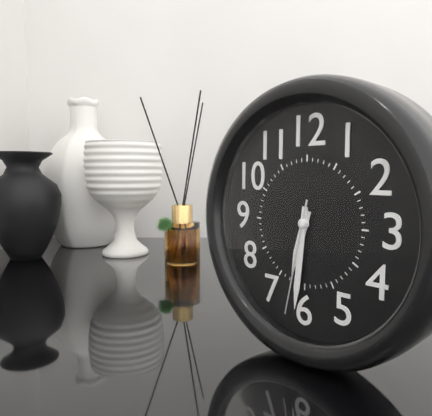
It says 6:31:32
